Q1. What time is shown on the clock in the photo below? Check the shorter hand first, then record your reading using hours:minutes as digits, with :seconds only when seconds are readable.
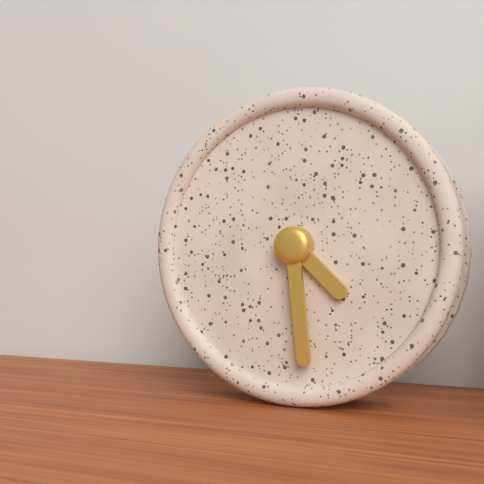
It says 4:29
